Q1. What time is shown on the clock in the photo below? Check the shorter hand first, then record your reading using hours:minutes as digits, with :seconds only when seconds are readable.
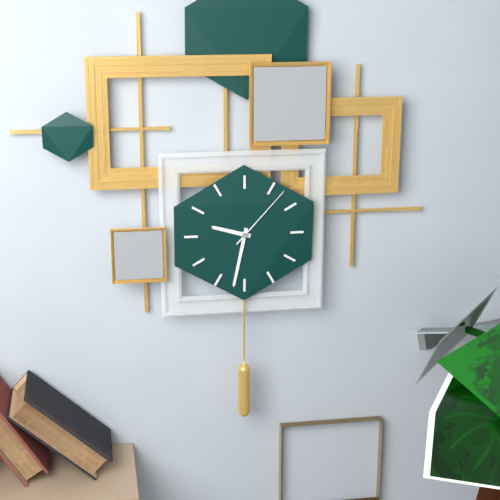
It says 9:32:07
